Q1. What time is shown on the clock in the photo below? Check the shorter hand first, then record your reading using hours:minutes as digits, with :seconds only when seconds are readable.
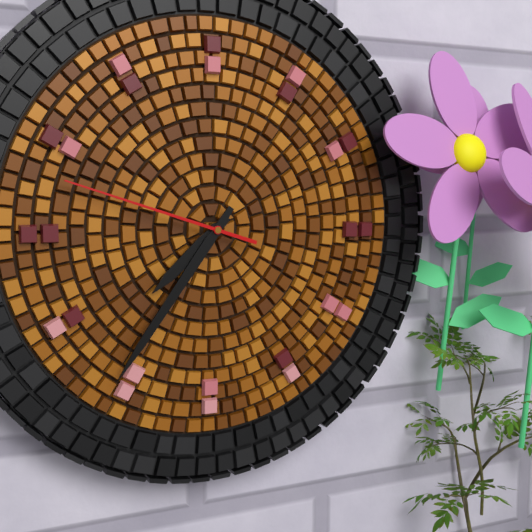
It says 7:36:48
